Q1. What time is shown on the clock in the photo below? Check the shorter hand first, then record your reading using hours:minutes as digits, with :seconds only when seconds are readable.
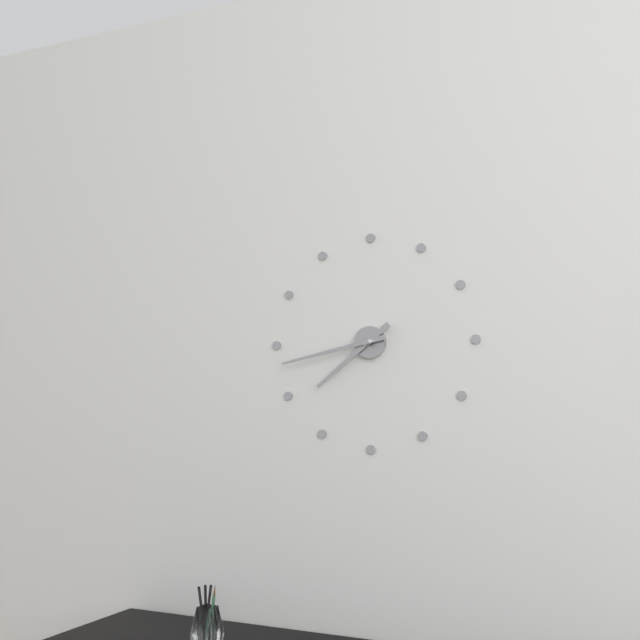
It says 7:43
